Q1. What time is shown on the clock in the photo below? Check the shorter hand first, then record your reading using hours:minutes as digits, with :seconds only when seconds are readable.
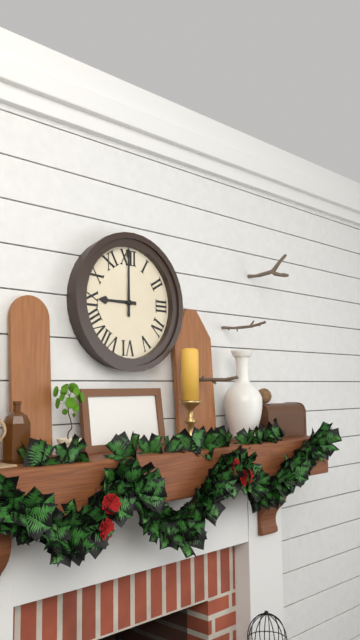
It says 9:00
